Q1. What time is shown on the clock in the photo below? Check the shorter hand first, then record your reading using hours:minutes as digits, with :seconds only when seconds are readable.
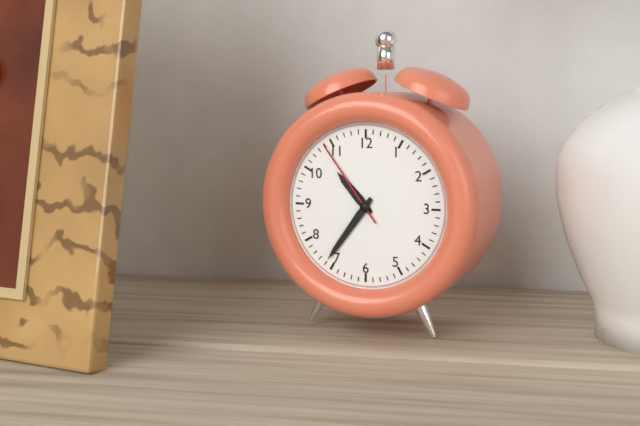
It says 10:36:54
